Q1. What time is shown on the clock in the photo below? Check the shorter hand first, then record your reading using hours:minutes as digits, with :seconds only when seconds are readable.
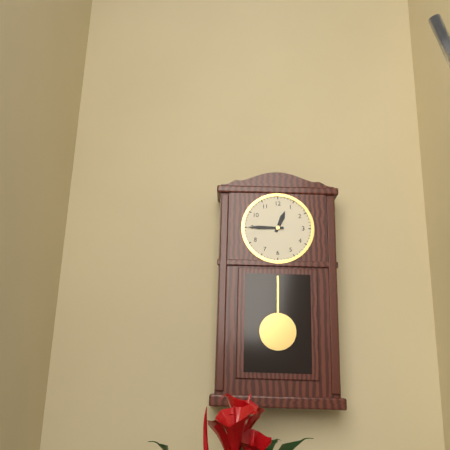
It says 12:45
